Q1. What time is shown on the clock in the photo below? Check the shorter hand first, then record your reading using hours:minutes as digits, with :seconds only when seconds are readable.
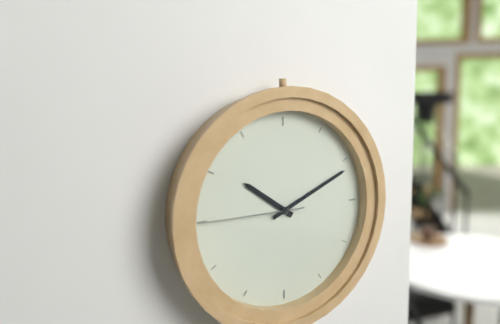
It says 10:11:45
